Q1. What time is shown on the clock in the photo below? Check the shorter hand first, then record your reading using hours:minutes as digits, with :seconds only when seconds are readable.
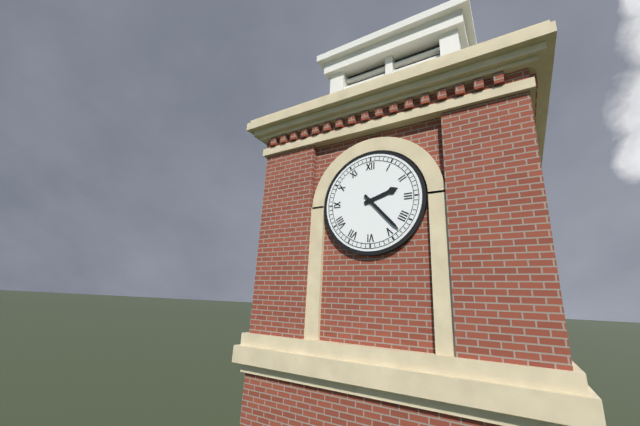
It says 2:23
